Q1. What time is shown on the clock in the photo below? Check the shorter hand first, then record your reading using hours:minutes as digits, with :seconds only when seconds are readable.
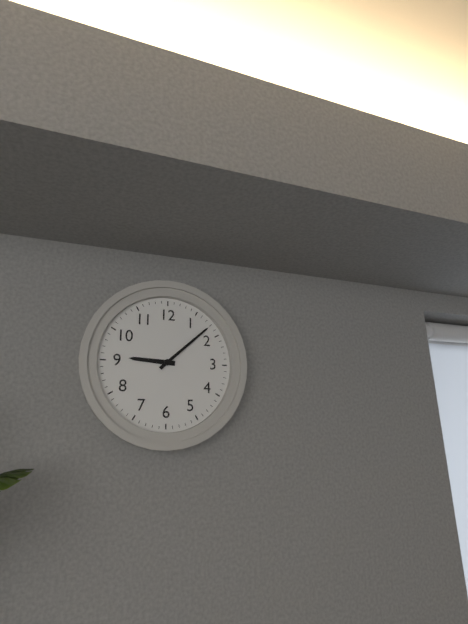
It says 9:08
